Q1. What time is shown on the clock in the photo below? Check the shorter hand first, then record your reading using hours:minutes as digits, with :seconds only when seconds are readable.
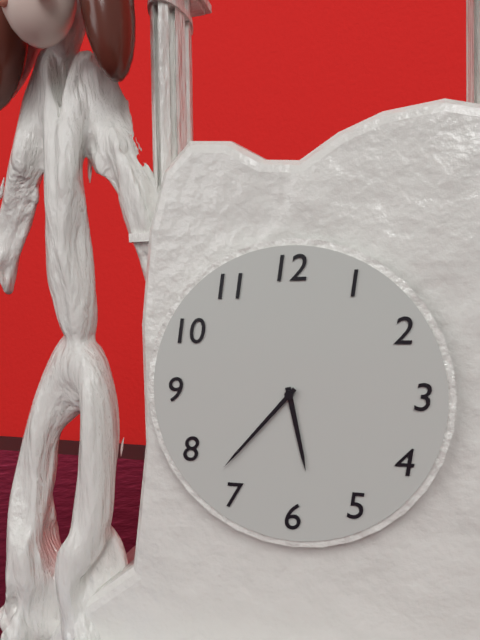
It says 5:37
